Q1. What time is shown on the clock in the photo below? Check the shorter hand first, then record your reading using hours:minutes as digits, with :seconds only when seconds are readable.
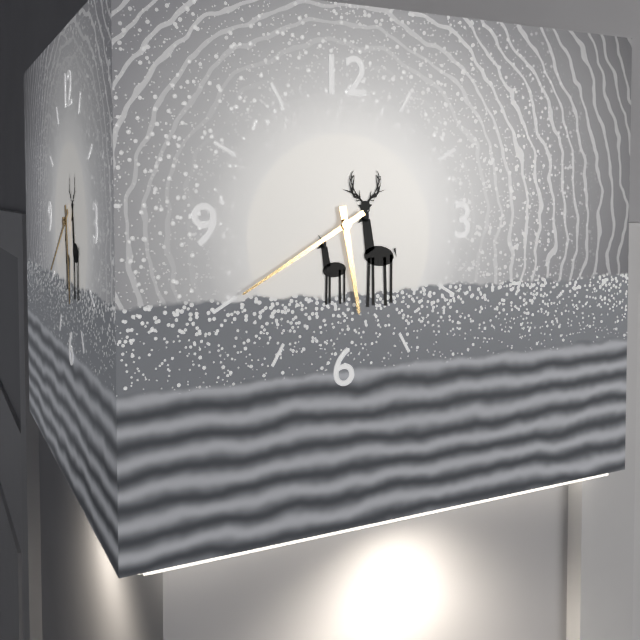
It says 5:40
